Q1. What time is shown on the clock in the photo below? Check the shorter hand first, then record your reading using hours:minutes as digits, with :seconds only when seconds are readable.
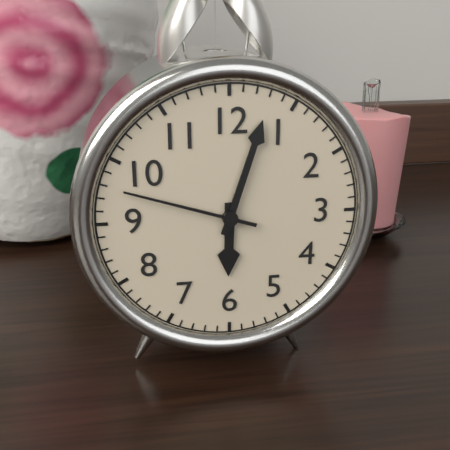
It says 6:03:48
